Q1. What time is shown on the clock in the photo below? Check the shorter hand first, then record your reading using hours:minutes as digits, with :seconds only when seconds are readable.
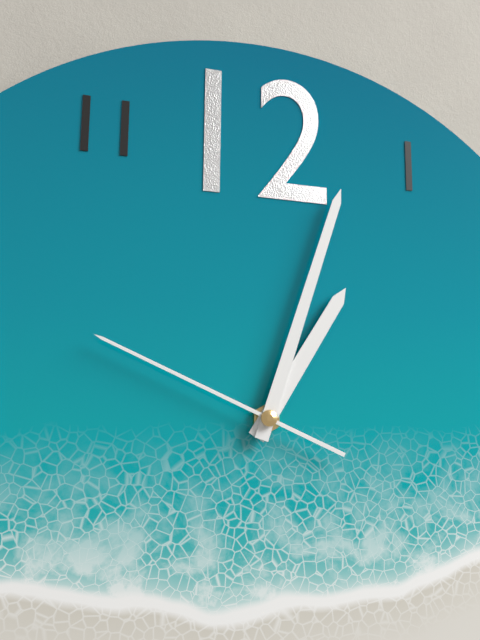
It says 1:03:49
